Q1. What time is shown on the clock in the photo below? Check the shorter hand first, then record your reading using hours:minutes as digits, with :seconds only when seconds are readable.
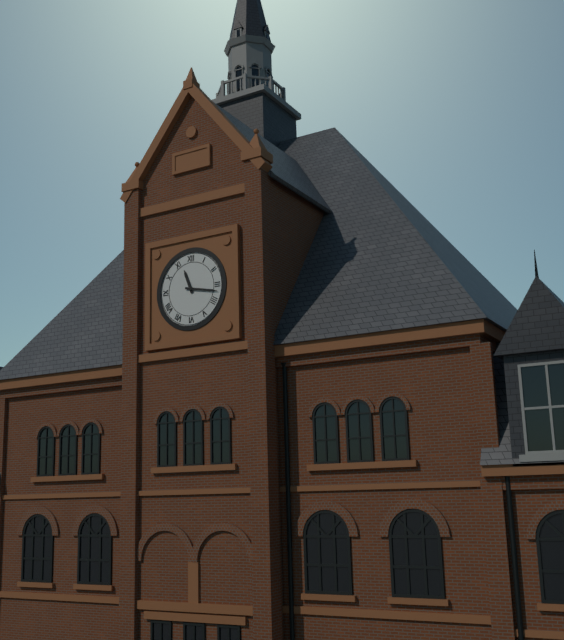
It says 11:17
